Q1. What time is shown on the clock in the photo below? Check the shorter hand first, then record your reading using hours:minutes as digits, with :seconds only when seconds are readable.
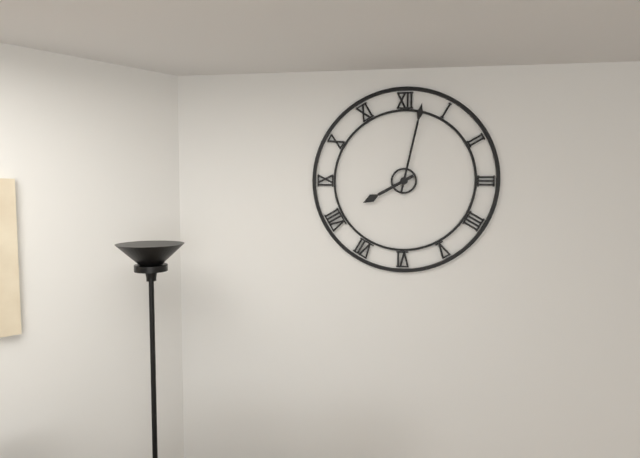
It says 8:02
